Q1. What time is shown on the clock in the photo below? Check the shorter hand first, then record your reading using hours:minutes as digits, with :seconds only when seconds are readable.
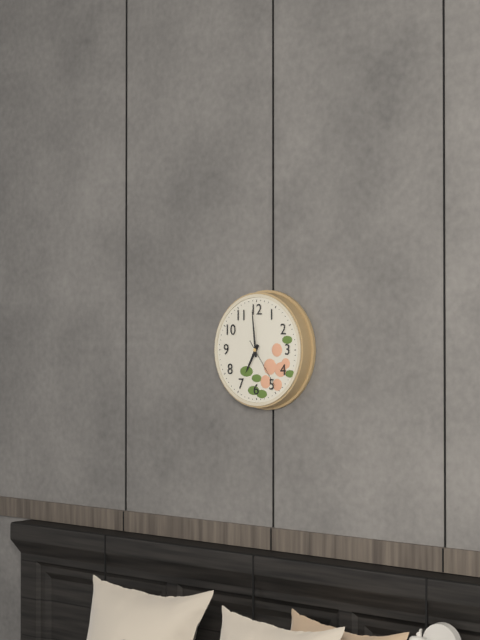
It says 6:59:24
